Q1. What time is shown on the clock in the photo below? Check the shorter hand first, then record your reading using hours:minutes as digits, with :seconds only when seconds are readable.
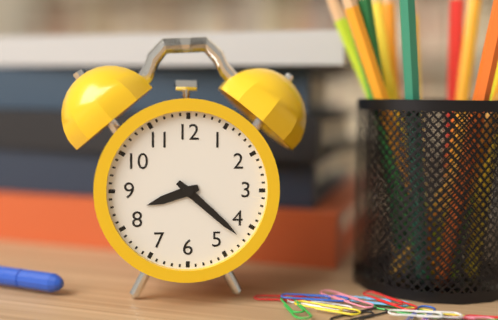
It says 8:22
